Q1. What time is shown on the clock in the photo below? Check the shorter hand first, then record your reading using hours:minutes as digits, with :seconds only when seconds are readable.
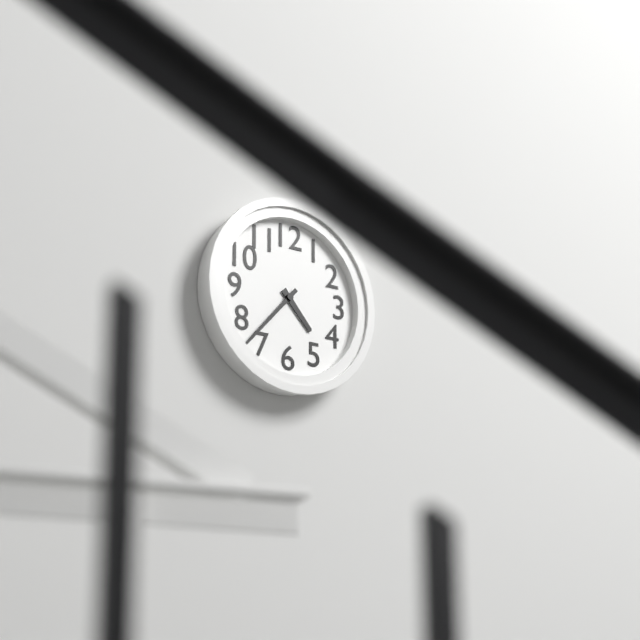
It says 4:37
